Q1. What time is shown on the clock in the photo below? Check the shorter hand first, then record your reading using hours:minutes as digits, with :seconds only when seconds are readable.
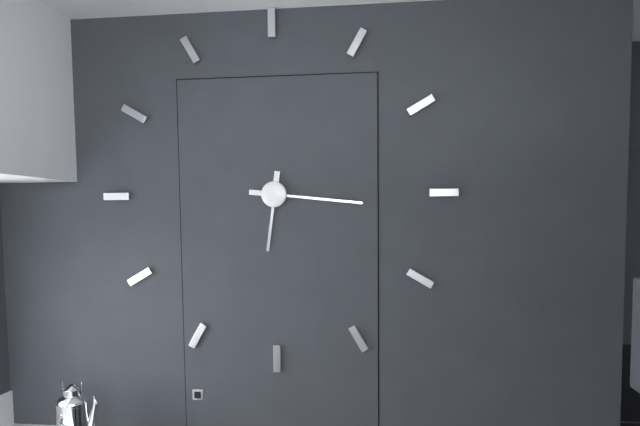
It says 6:16
